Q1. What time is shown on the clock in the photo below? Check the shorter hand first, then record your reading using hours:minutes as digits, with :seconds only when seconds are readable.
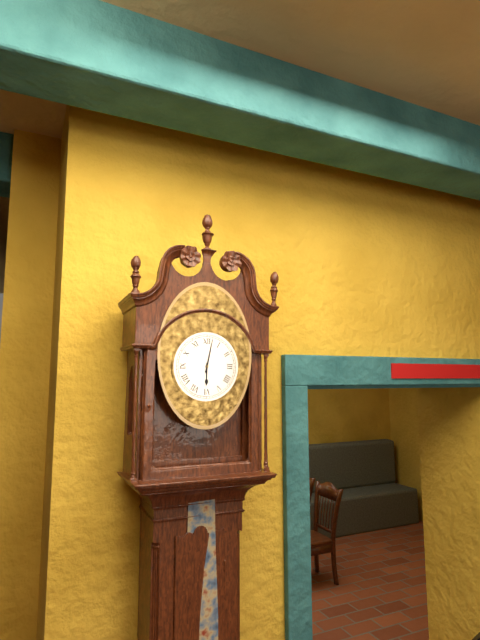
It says 6:02
